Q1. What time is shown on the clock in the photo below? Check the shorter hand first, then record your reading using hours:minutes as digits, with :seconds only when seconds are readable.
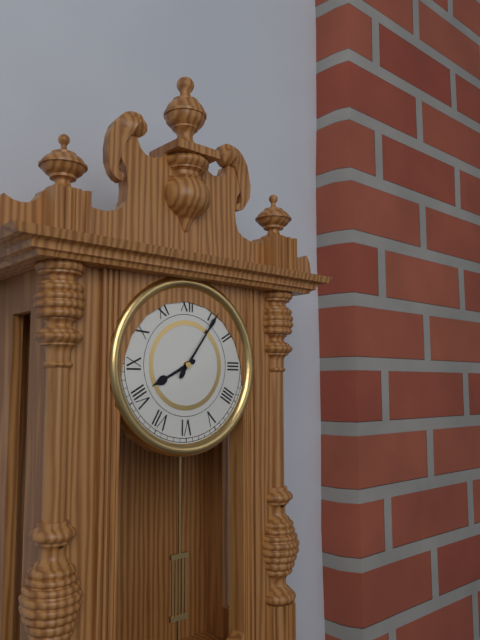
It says 8:06
